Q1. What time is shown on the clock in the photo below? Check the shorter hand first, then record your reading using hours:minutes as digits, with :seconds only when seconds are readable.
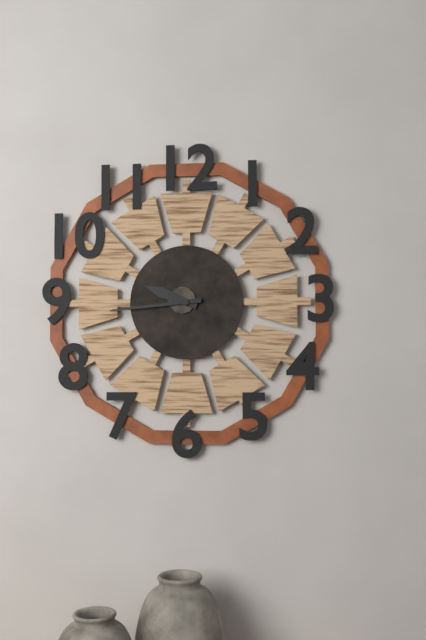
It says 9:44
